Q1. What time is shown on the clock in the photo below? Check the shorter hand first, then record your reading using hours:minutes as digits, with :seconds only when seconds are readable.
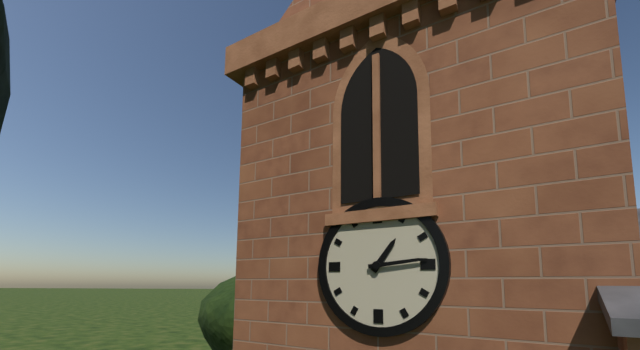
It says 1:14
